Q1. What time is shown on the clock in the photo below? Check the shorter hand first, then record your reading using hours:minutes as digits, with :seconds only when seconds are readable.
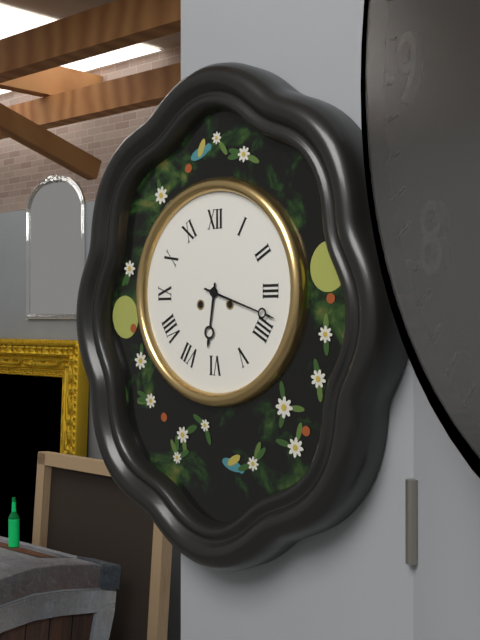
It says 6:18
